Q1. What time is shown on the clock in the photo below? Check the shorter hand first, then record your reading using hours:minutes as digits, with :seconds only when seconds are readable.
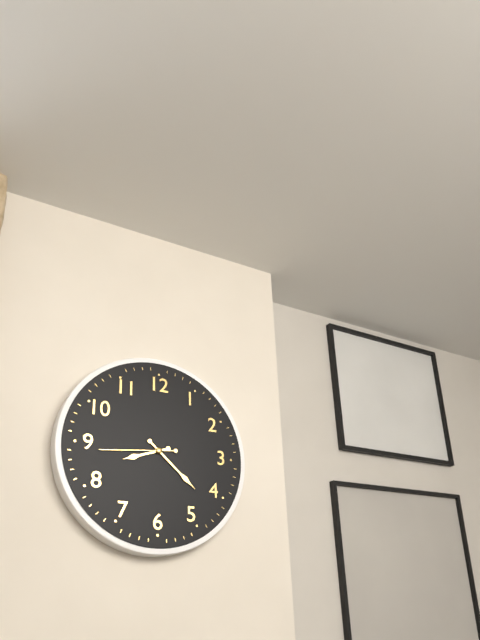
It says 8:22:44
